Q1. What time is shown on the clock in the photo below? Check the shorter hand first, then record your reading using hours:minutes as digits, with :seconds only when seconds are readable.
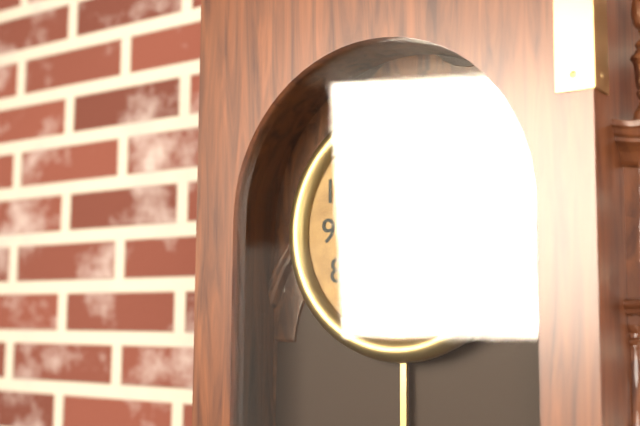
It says 10:17
